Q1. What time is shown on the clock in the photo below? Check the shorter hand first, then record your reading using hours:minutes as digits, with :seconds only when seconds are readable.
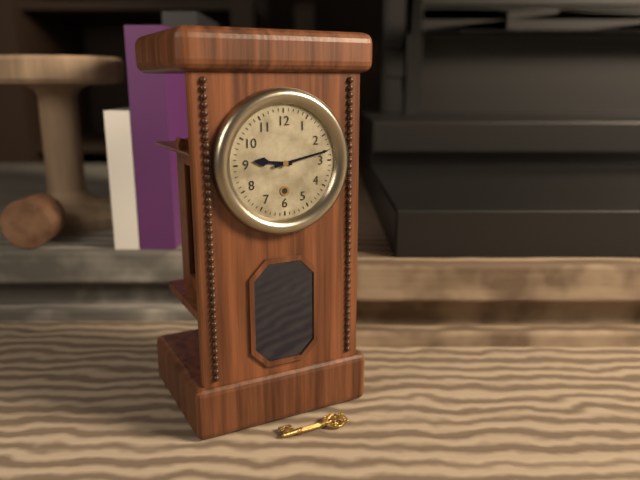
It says 9:13
